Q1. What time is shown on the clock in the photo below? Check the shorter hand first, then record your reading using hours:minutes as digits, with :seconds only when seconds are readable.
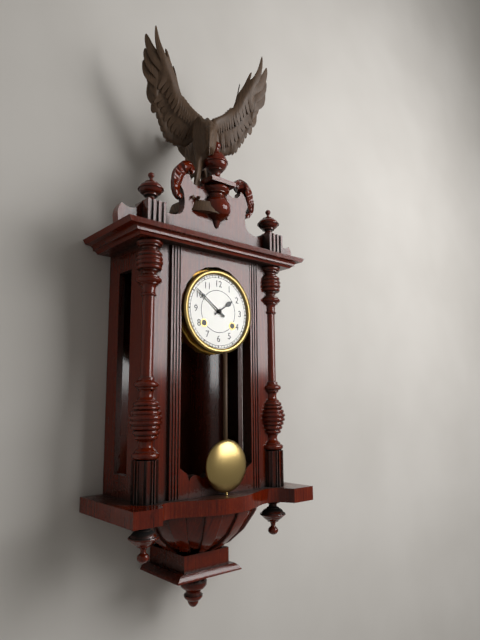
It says 1:51
